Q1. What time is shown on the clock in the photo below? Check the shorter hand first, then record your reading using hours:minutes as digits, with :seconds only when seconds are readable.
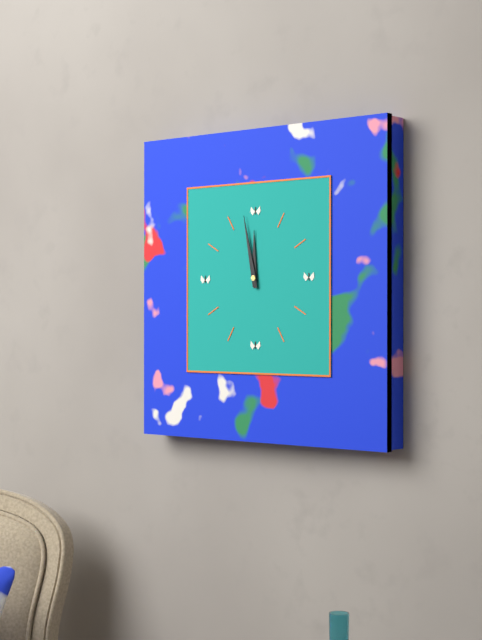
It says 11:58
